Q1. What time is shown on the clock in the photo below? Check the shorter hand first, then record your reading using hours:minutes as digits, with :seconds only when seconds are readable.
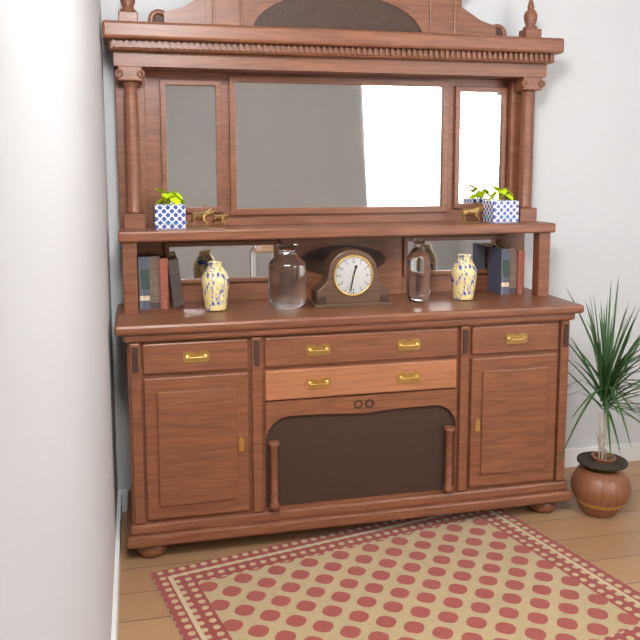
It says 12:32
